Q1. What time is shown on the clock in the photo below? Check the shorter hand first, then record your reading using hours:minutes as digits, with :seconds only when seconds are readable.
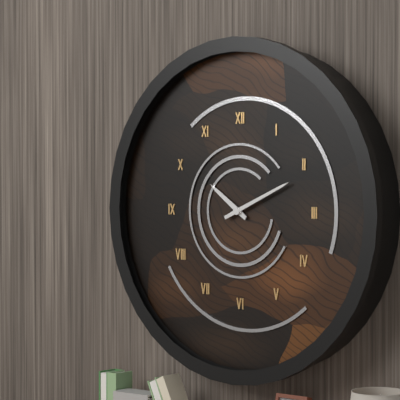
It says 10:11
